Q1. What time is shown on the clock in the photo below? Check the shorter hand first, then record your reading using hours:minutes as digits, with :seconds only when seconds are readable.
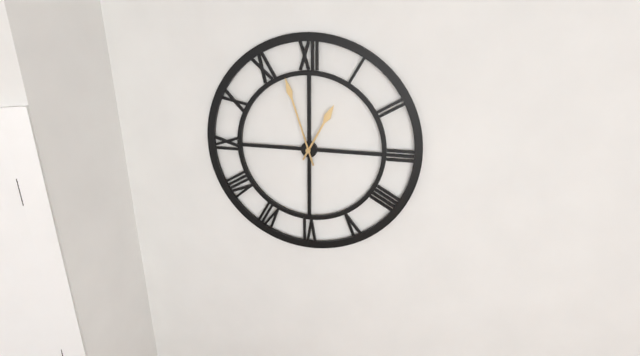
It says 12:57
